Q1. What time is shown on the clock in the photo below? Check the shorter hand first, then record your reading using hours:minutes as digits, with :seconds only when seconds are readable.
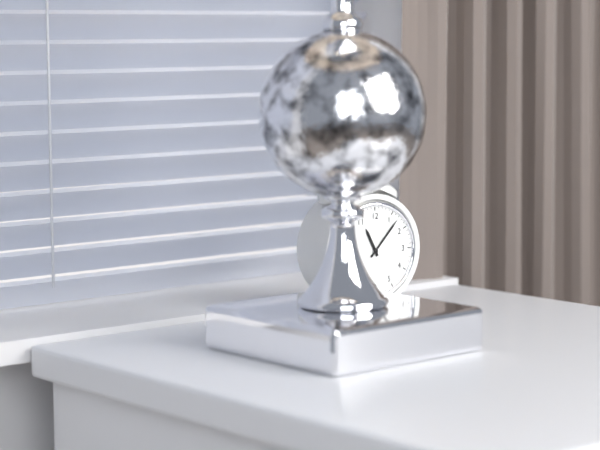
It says 11:07
